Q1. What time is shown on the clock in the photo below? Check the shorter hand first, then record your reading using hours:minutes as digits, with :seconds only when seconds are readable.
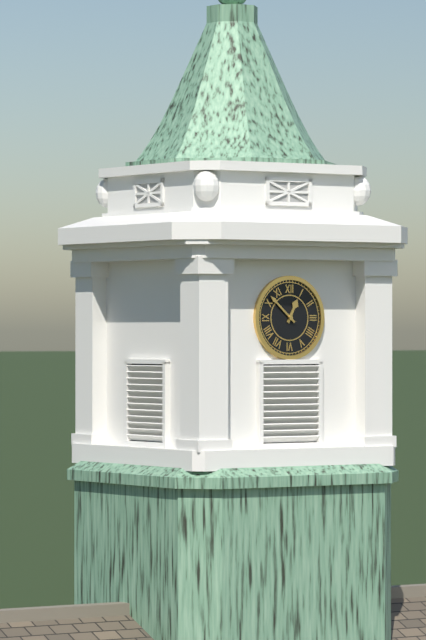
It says 12:52
